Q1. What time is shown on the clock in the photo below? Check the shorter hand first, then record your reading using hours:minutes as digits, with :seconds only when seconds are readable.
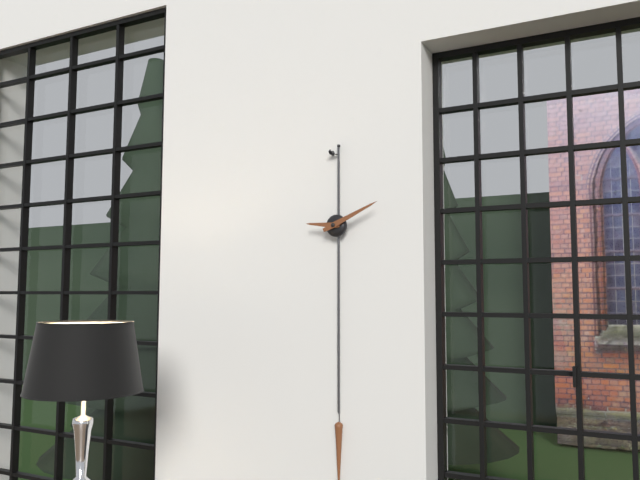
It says 9:11
